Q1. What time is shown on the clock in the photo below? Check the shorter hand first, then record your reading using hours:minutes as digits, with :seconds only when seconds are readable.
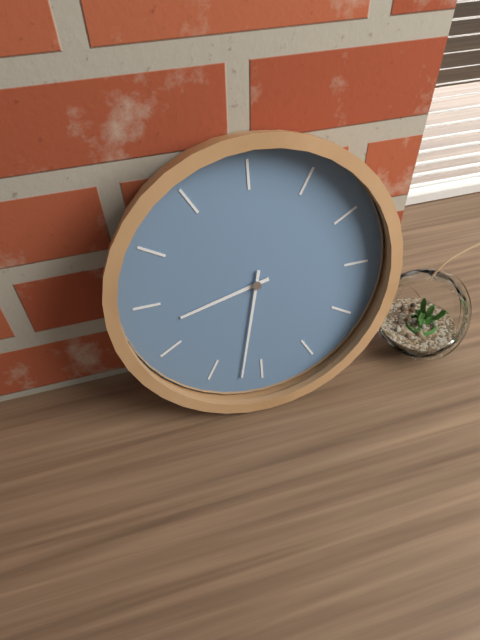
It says 8:32
